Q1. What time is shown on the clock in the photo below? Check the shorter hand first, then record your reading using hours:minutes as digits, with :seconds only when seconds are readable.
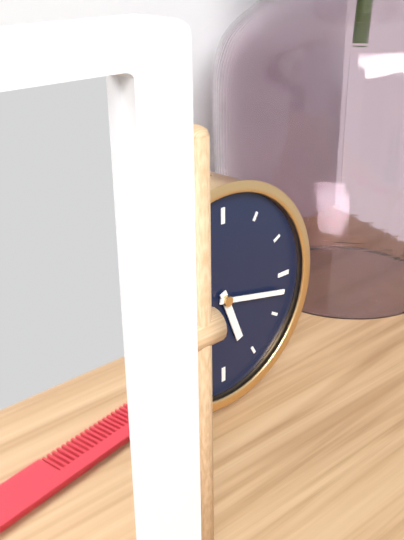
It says 5:17
